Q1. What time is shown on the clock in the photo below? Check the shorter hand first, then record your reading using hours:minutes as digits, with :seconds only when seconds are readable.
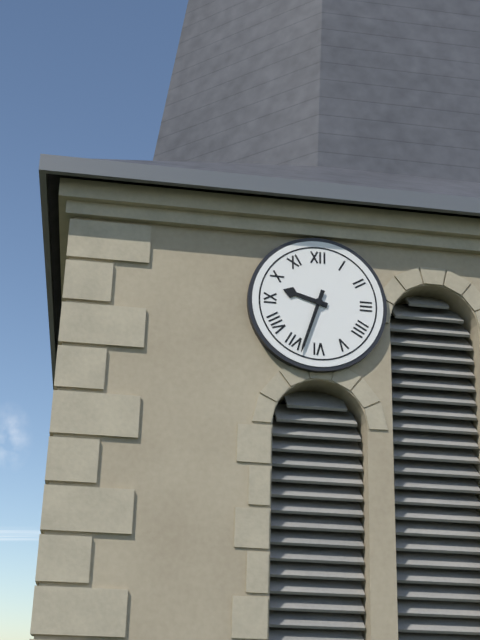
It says 9:33
